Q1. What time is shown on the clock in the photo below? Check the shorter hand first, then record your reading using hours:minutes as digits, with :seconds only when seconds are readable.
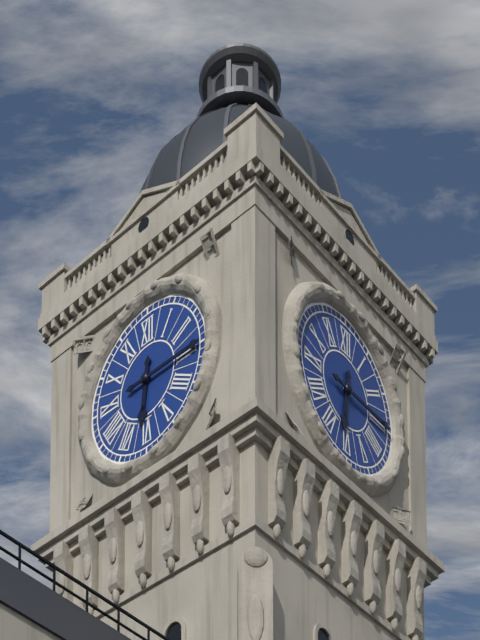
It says 6:15
